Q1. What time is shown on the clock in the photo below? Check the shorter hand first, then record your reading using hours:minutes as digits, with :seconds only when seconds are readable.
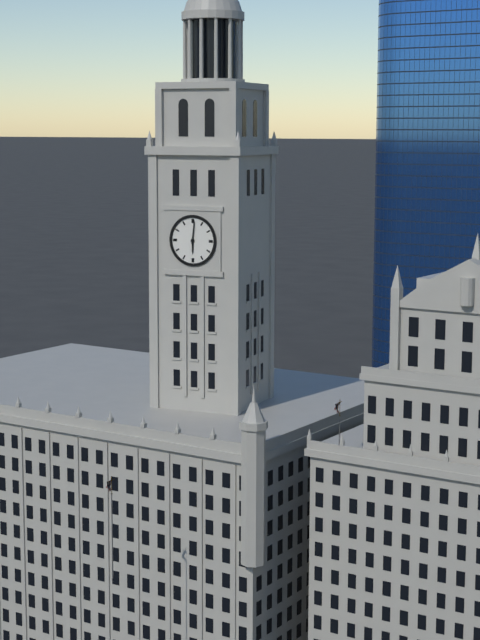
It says 6:01
